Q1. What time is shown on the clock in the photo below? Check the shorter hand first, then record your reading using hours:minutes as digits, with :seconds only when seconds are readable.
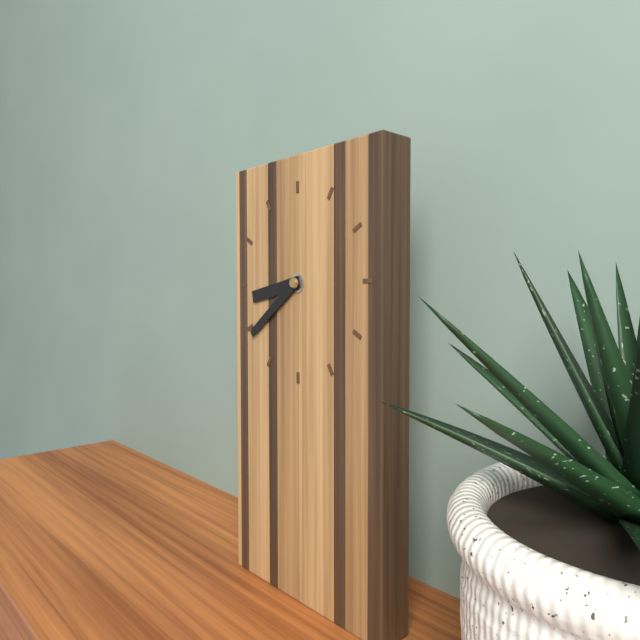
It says 8:39
